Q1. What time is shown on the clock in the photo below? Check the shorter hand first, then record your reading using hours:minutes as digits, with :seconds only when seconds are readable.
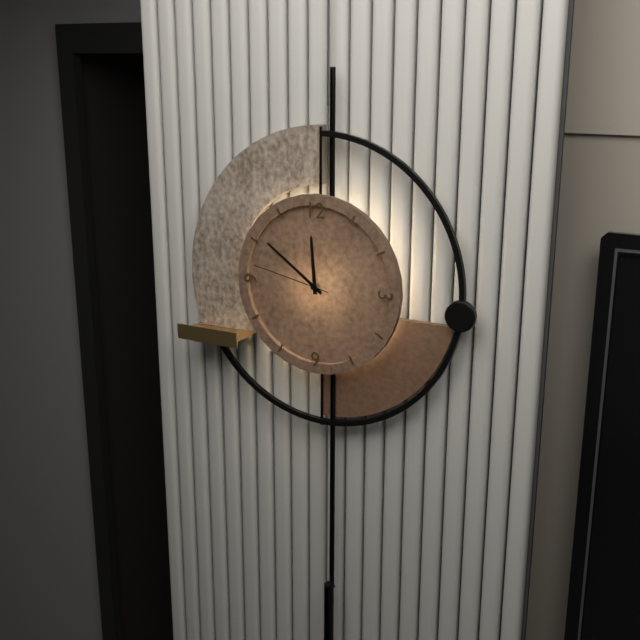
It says 11:51:47
